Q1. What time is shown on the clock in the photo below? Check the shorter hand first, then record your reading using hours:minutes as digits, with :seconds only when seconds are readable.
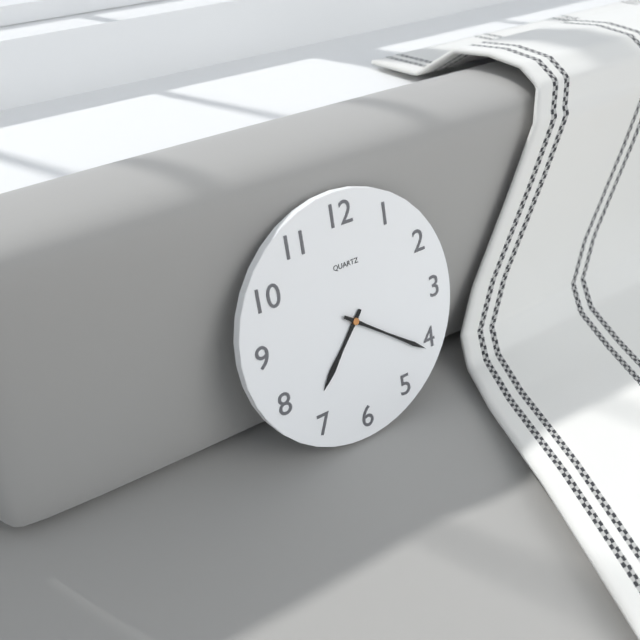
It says 7:21
